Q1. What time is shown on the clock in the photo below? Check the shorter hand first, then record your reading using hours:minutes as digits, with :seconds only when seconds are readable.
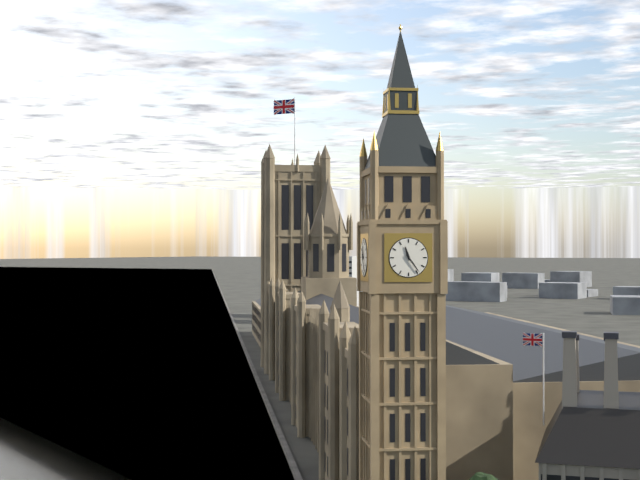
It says 11:24
